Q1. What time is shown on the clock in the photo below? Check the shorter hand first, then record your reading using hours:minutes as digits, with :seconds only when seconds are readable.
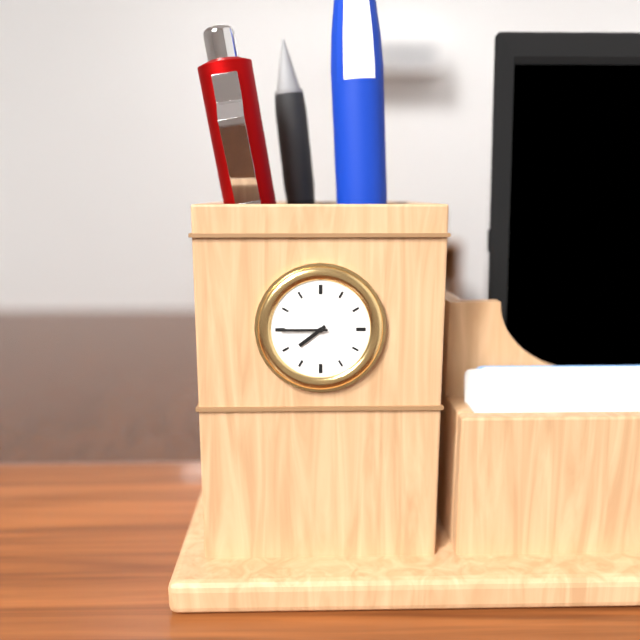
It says 7:45
